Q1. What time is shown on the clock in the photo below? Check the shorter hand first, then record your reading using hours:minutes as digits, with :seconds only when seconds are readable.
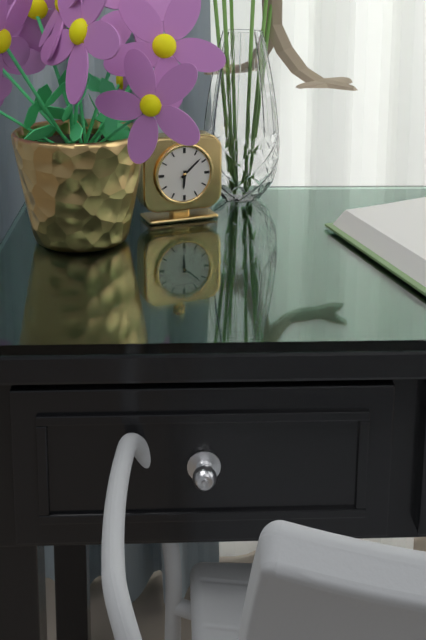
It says 6:08
